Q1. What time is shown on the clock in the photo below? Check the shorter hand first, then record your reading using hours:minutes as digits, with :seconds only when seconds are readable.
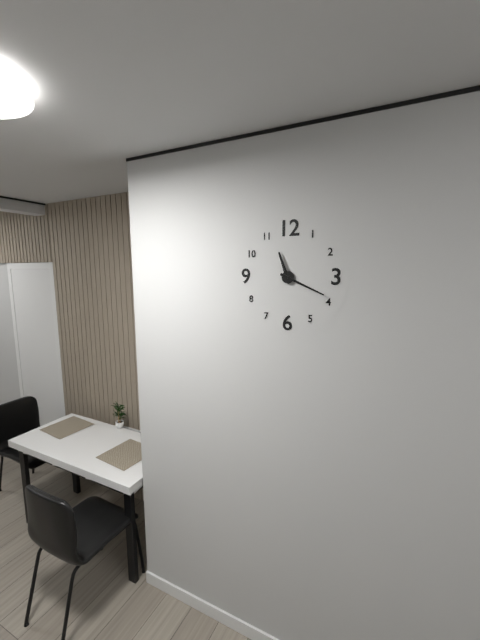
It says 11:19
